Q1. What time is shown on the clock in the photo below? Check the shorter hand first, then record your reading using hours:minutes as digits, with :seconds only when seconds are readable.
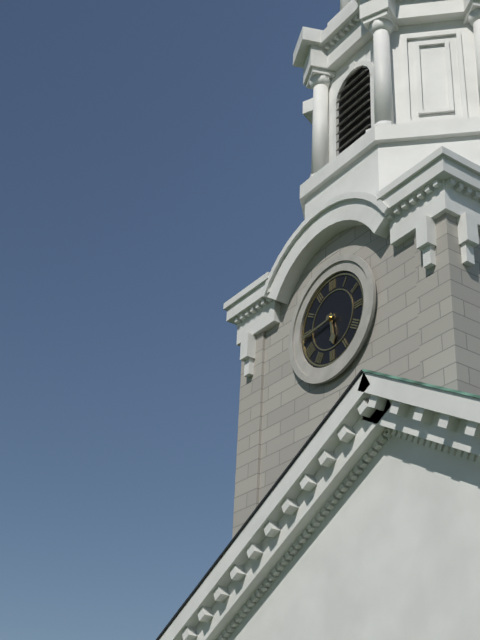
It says 5:44
